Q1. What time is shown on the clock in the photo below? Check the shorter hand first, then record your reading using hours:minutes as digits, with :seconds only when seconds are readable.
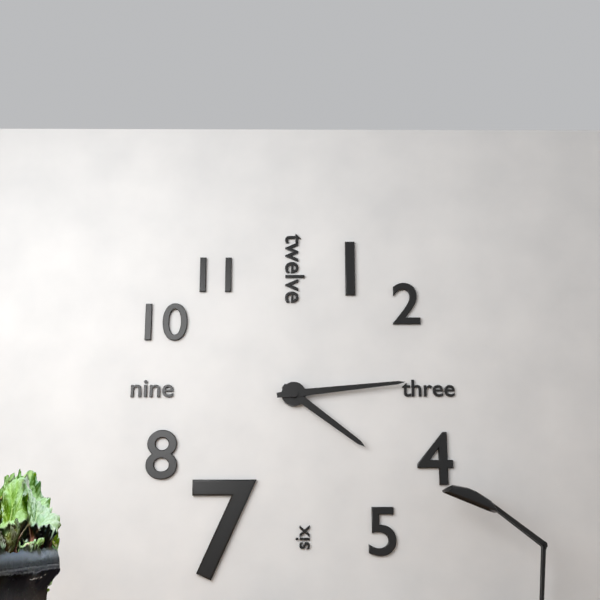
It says 4:14
